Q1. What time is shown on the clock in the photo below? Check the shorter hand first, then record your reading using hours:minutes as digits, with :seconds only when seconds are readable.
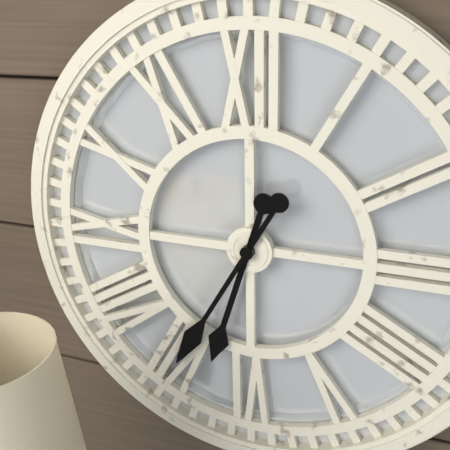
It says 6:35
